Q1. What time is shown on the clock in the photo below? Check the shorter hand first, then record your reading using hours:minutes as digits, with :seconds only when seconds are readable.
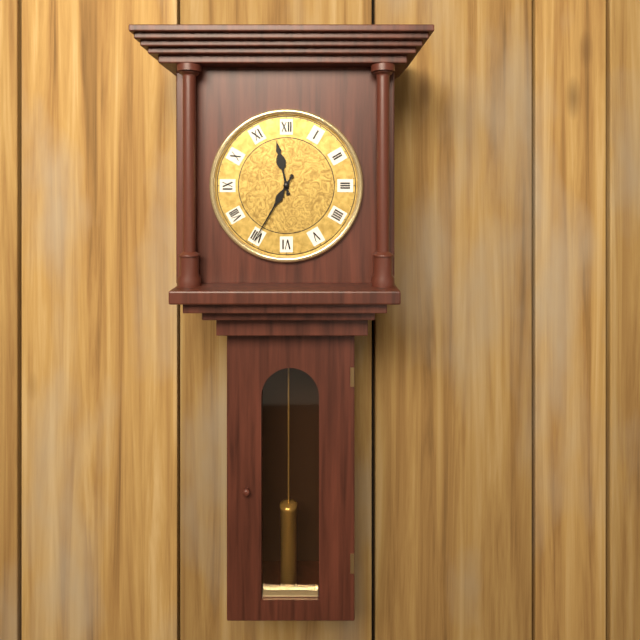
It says 11:35
